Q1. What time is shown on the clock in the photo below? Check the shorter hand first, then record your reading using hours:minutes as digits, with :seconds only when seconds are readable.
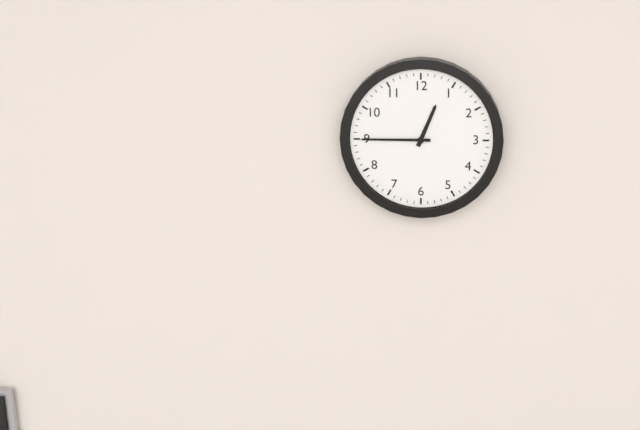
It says 12:45
